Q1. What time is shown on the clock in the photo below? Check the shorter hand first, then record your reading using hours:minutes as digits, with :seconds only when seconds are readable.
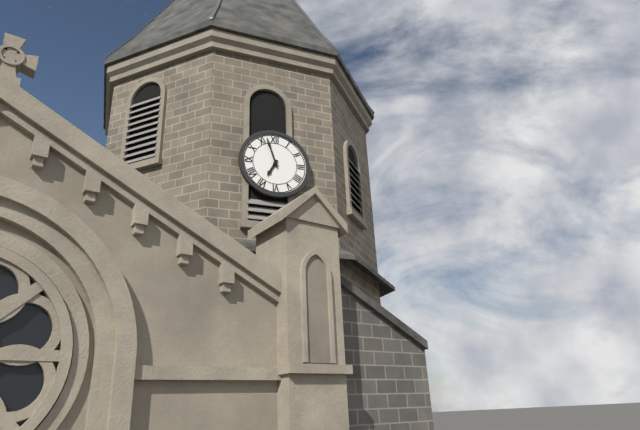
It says 6:57
